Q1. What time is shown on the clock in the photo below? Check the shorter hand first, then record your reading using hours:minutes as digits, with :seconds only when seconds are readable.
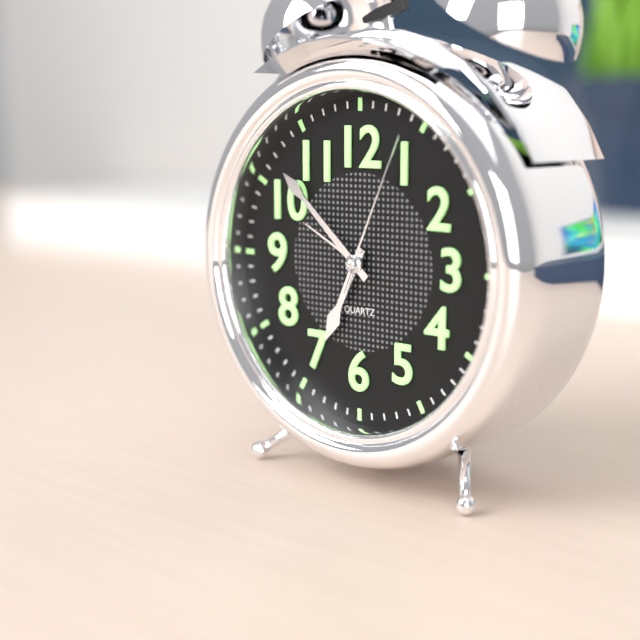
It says 6:52:04
